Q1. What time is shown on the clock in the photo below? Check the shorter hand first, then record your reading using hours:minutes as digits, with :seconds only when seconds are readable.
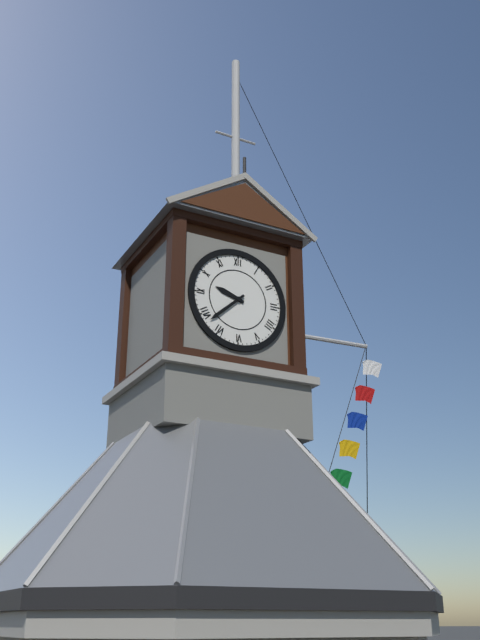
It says 9:38
